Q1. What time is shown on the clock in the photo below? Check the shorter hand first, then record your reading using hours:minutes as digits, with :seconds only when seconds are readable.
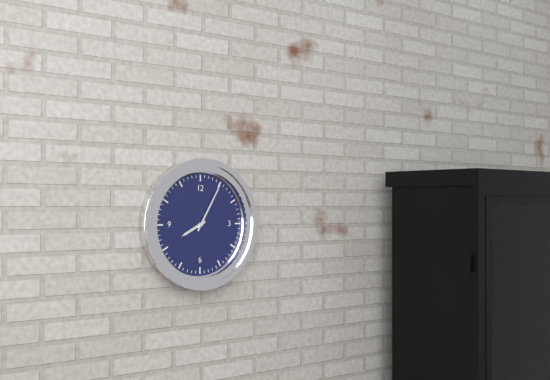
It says 8:05
